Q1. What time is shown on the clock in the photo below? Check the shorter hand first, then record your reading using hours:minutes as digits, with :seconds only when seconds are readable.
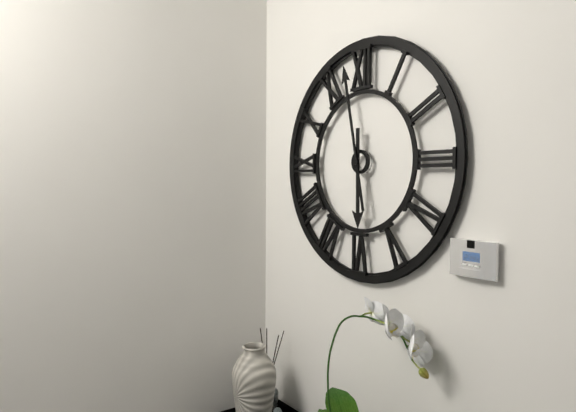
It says 5:58
